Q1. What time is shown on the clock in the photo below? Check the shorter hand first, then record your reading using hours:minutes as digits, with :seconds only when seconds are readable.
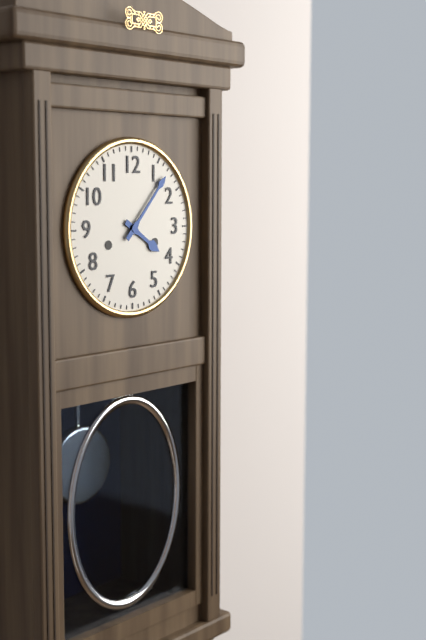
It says 4:07
